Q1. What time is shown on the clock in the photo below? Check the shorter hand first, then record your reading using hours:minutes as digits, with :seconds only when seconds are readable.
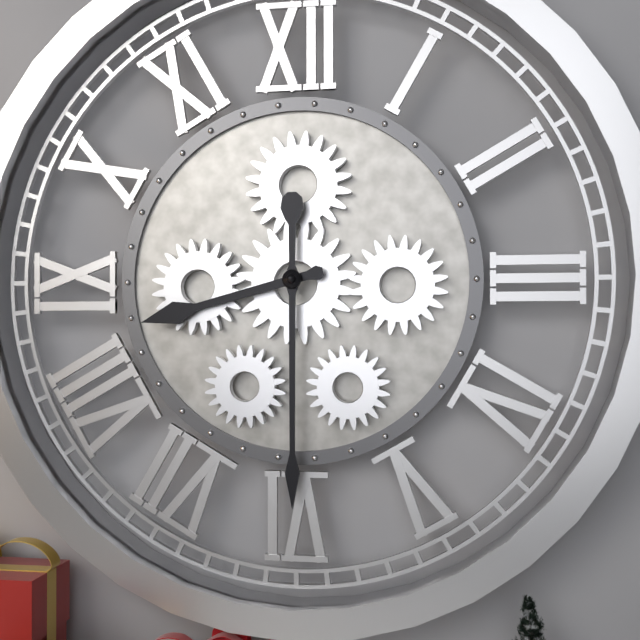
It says 8:30
